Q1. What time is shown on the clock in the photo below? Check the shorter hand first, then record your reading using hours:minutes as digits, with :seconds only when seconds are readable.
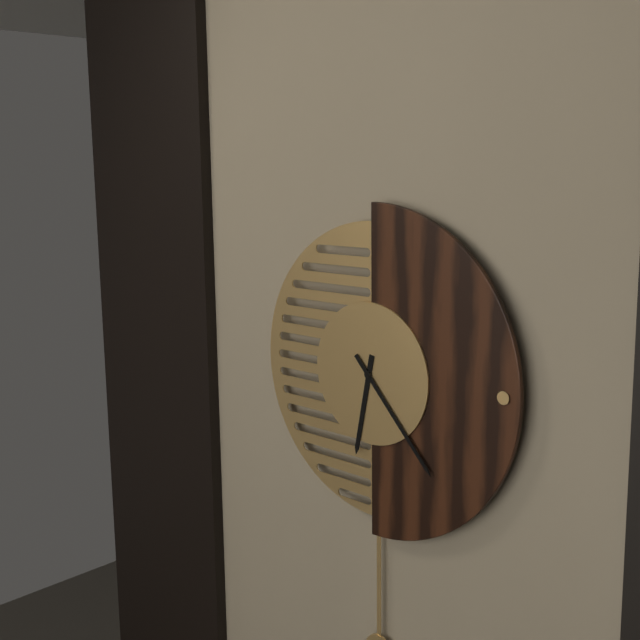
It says 6:23
